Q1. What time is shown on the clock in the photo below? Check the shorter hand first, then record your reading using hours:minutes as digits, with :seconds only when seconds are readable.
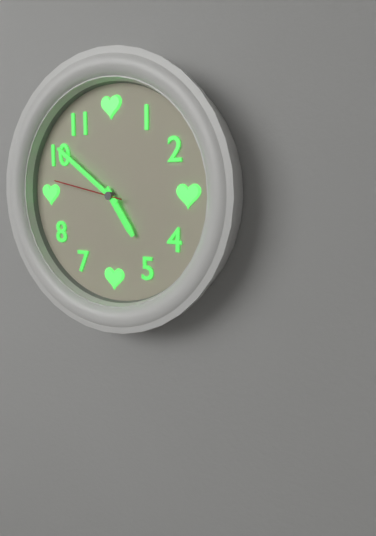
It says 4:51:47
